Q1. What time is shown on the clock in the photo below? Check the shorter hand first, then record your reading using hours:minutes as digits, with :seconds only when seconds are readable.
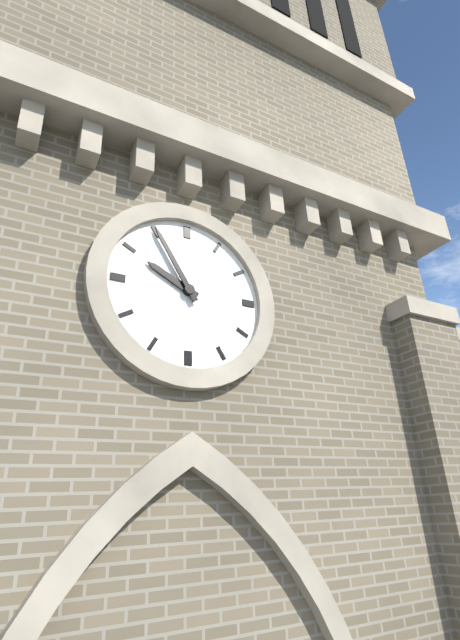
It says 9:55
